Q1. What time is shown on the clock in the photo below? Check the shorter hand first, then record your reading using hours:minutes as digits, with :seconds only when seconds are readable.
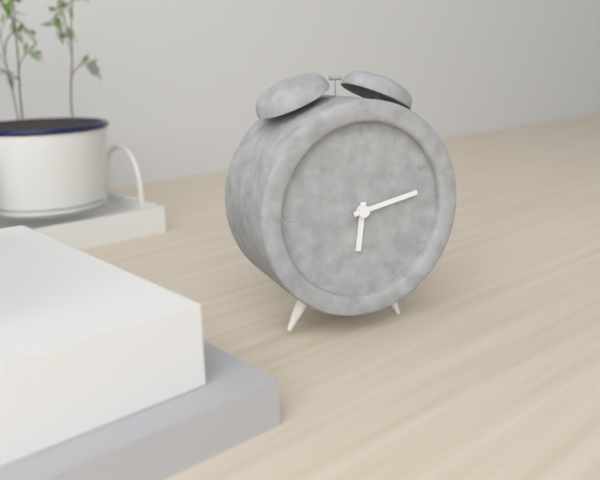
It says 6:13
